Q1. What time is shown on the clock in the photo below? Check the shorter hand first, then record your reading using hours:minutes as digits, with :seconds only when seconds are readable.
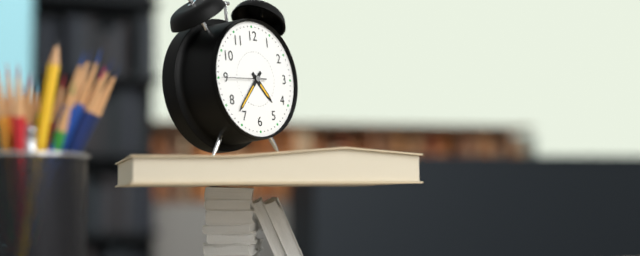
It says 4:37
